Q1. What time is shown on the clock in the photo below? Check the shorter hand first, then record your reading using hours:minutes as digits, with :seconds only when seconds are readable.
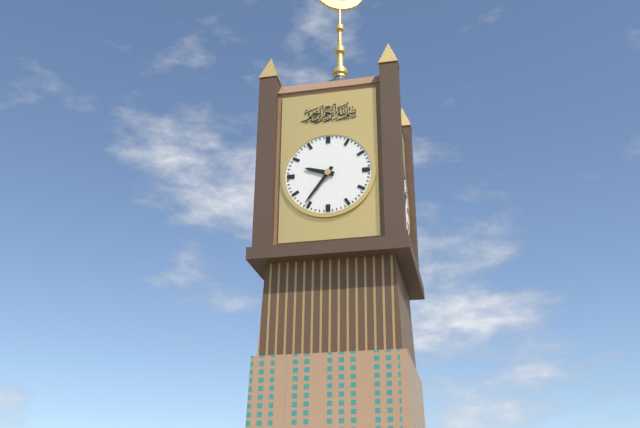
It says 9:36
